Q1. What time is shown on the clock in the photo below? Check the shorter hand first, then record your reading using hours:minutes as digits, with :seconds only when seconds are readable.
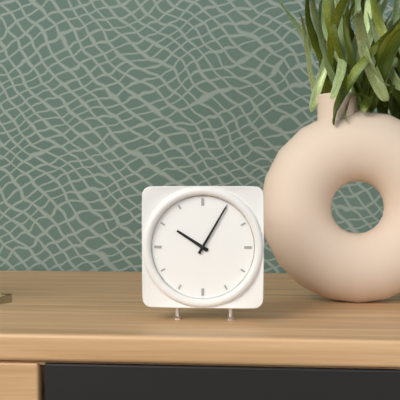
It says 10:05
